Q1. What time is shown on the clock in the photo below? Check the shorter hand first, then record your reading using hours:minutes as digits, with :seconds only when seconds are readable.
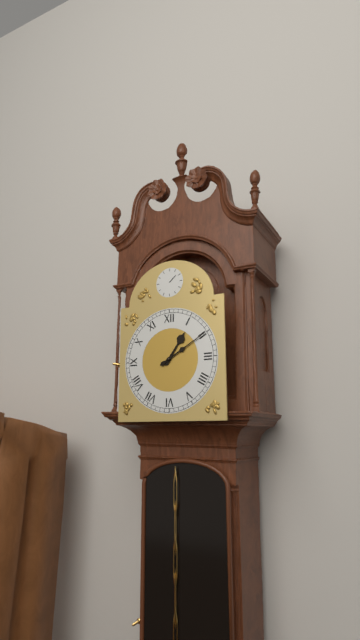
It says 1:10
